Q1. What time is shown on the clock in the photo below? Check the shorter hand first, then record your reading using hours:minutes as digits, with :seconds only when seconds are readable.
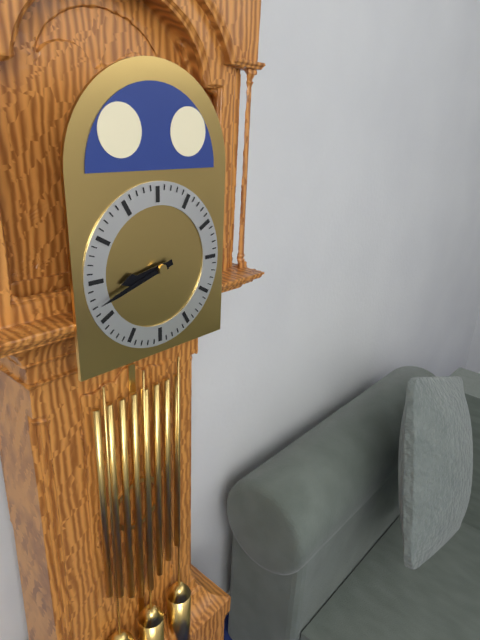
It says 8:42
